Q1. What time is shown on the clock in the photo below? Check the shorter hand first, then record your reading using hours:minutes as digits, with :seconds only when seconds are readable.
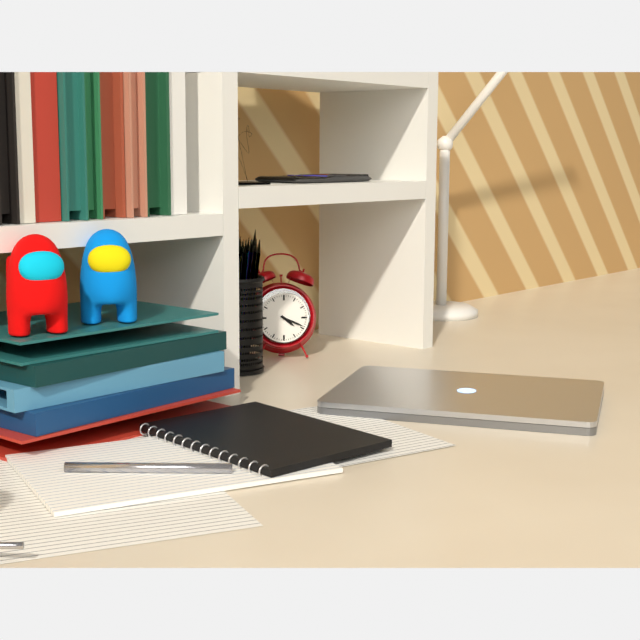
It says 4:19
